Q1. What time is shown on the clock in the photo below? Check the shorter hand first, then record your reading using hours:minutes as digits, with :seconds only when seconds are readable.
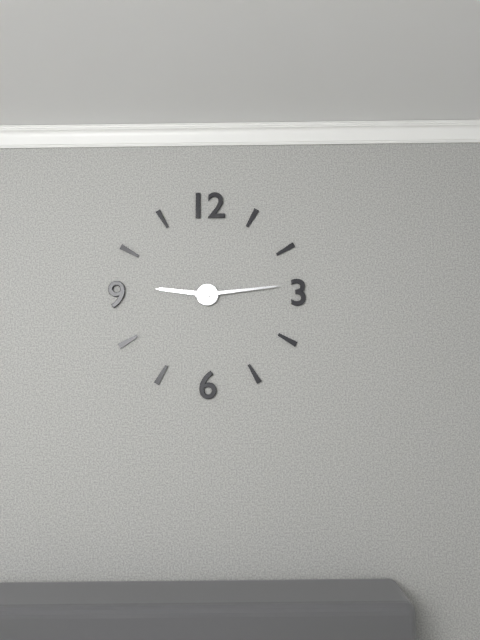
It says 9:14
